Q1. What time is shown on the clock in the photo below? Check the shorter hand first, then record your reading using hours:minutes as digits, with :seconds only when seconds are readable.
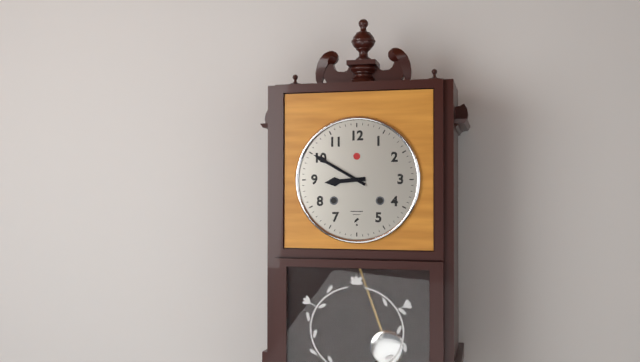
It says 8:50
